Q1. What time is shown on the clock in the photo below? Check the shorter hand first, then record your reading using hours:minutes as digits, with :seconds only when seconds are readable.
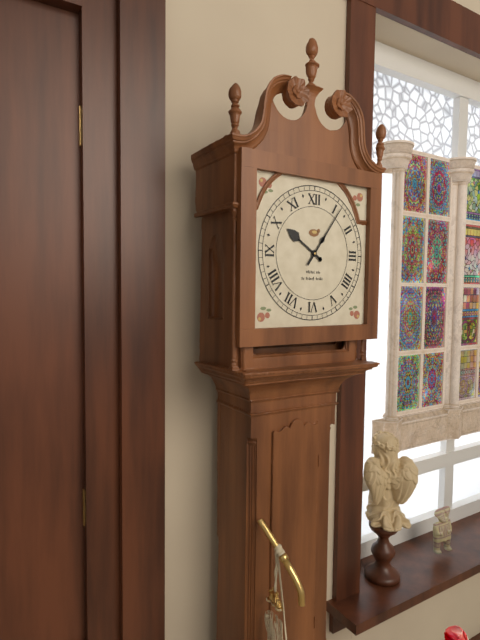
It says 10:06
